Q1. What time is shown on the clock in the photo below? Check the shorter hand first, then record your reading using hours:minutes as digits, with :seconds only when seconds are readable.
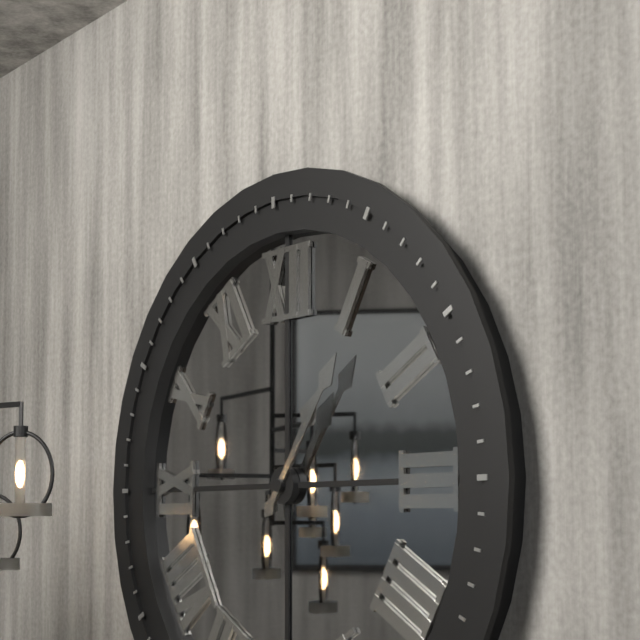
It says 1:06
